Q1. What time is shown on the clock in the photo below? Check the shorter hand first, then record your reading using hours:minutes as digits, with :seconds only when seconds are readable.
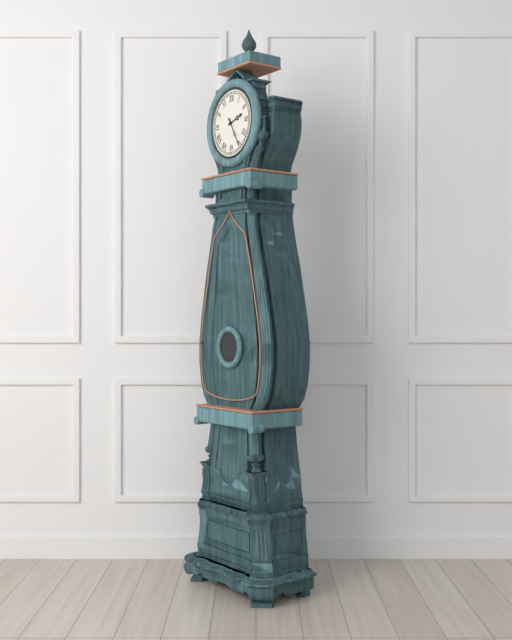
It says 2:25
